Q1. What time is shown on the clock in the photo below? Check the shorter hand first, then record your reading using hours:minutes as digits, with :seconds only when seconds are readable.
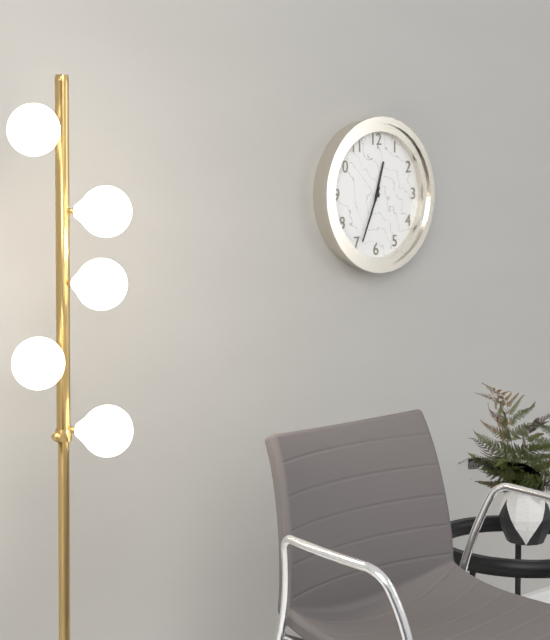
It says 12:34
